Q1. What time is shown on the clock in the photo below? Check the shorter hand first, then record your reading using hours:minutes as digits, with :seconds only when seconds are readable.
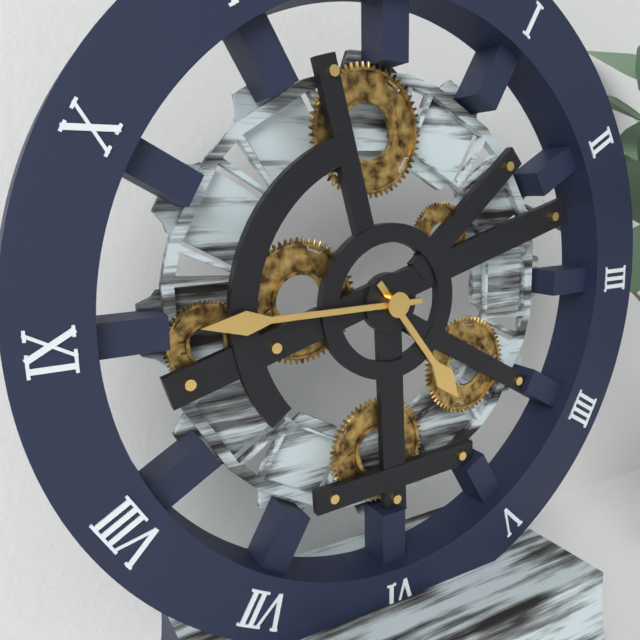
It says 4:45
